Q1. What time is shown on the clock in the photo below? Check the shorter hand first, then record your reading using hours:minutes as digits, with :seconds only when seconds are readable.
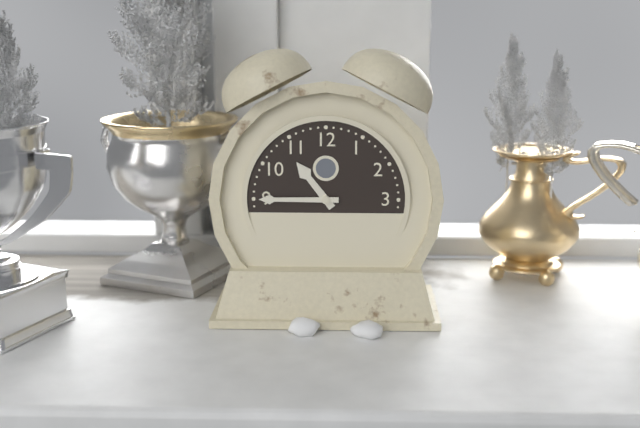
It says 10:45
